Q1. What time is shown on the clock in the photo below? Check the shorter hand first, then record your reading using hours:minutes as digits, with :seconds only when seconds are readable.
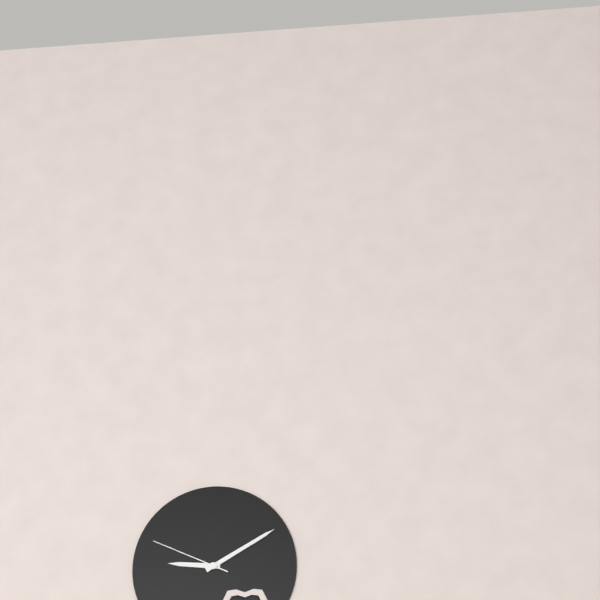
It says 9:10:49
